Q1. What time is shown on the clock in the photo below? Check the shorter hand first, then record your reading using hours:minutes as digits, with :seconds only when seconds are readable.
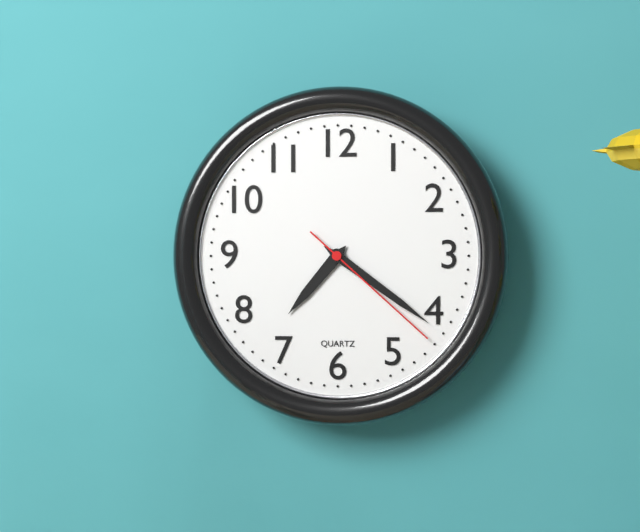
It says 7:21:22
